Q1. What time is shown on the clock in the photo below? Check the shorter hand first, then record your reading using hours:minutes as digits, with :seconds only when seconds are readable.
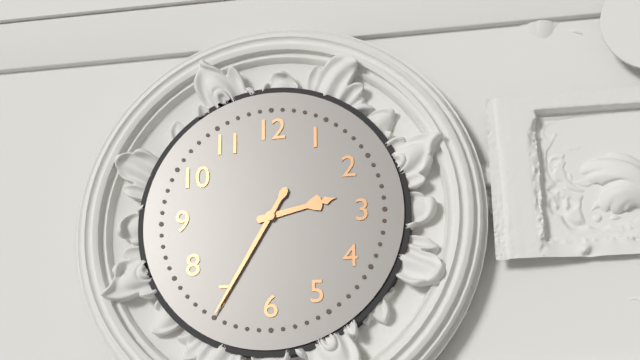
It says 2:35
